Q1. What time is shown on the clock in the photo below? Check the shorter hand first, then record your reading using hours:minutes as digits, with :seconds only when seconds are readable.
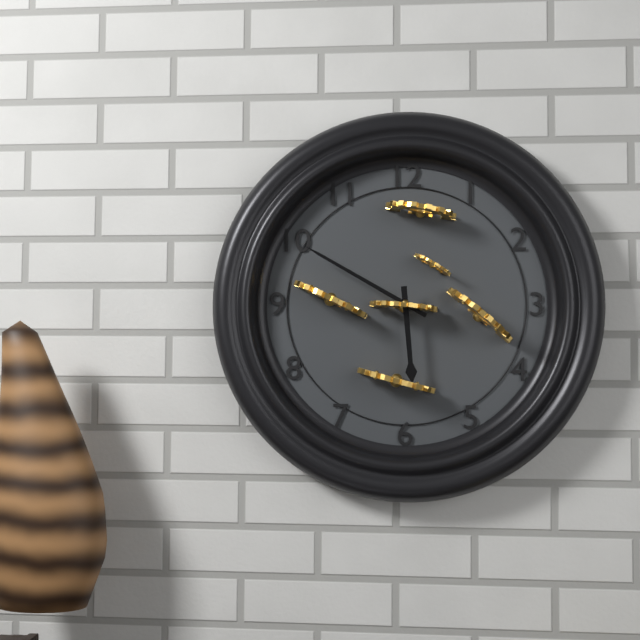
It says 5:50
